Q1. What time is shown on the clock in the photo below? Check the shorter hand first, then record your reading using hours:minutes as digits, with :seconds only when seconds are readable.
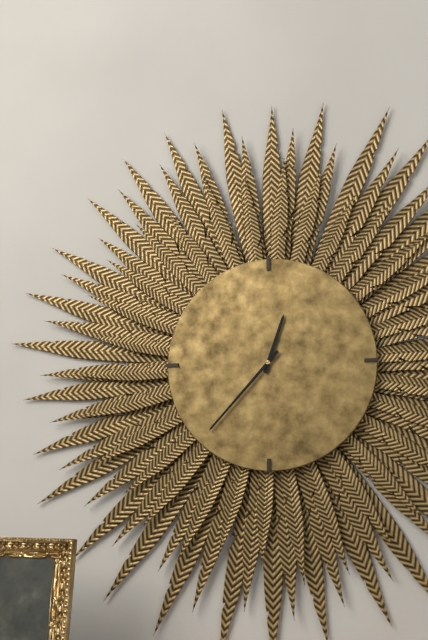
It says 12:37
